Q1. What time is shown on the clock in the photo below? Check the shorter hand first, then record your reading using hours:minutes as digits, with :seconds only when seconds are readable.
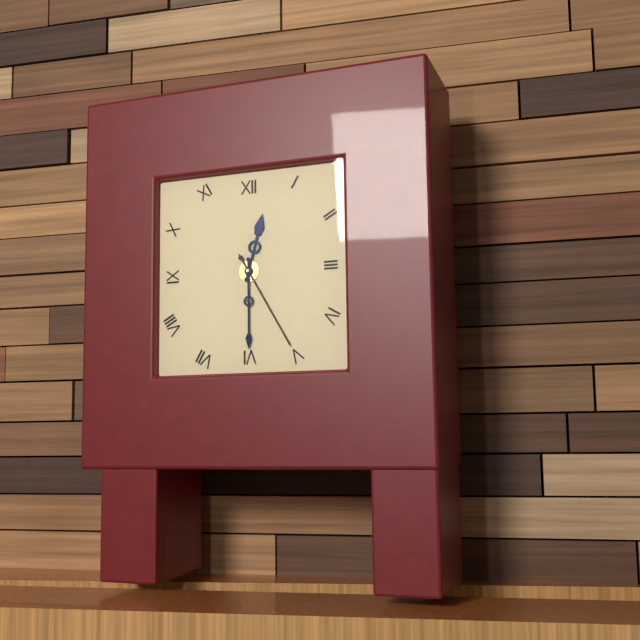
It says 12:30:25
